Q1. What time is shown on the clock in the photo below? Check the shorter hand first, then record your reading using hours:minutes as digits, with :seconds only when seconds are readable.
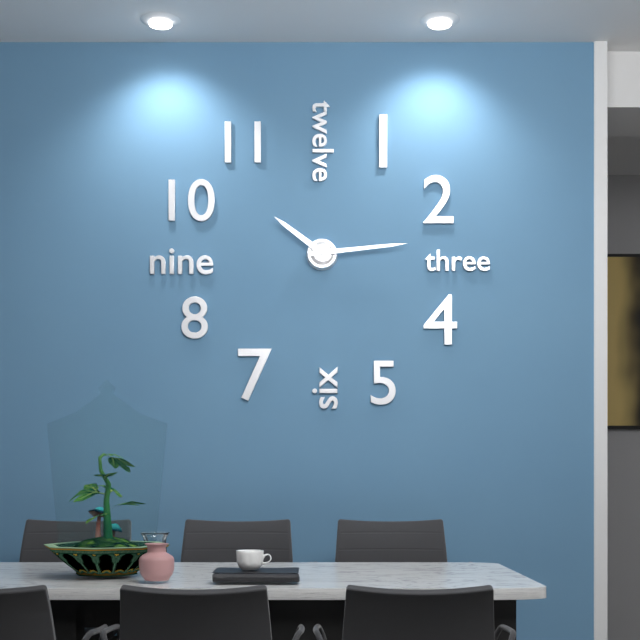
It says 10:14
